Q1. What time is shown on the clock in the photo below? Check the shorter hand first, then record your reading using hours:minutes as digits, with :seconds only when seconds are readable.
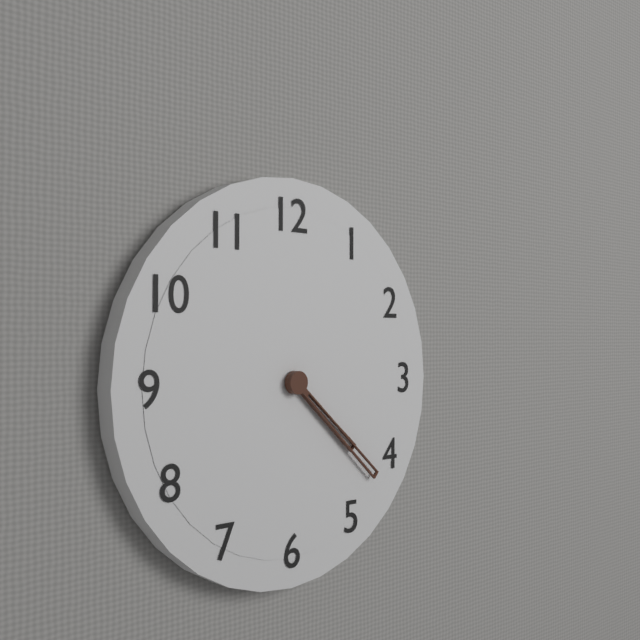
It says 4:22
